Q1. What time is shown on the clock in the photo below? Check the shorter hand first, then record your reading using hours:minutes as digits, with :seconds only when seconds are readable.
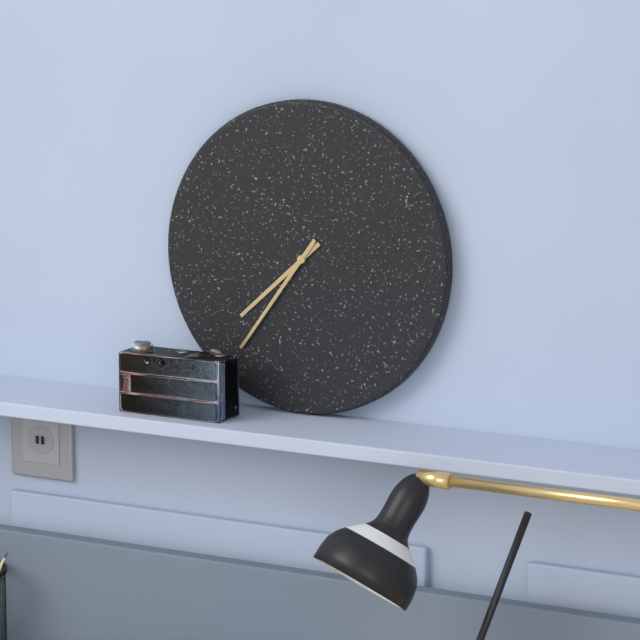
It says 7:36
